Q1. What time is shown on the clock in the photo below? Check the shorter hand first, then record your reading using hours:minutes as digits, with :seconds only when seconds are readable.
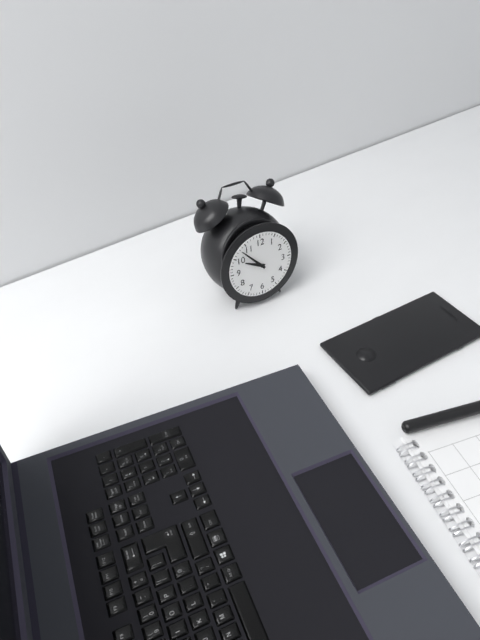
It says 9:53
